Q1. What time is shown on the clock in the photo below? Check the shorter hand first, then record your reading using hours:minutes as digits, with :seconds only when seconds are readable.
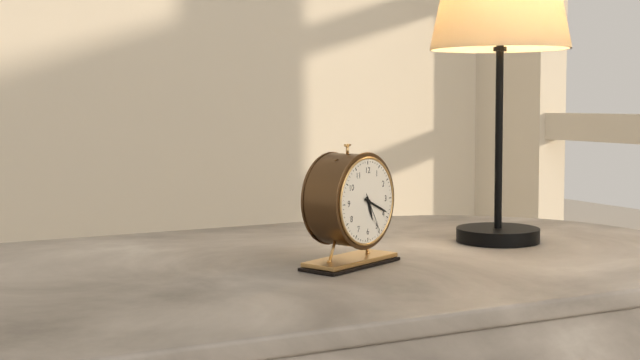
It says 5:19
